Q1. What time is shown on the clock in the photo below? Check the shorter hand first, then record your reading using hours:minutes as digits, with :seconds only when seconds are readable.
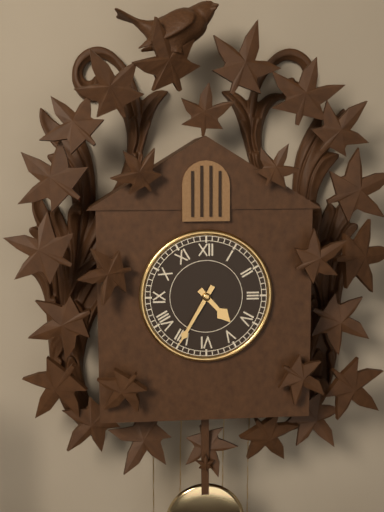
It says 4:35
